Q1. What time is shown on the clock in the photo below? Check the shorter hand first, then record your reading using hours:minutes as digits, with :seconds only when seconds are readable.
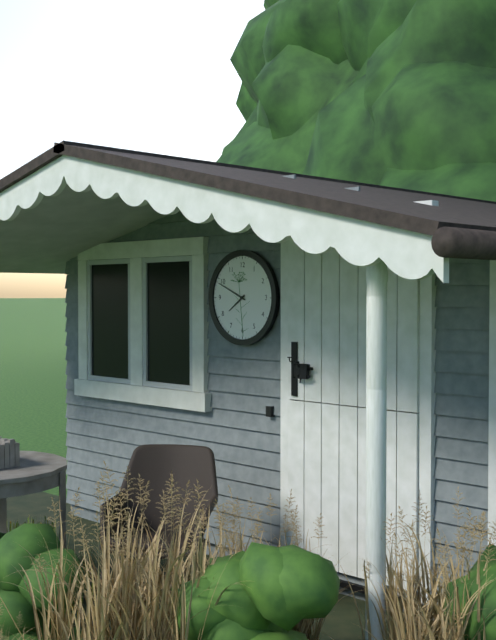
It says 7:49
